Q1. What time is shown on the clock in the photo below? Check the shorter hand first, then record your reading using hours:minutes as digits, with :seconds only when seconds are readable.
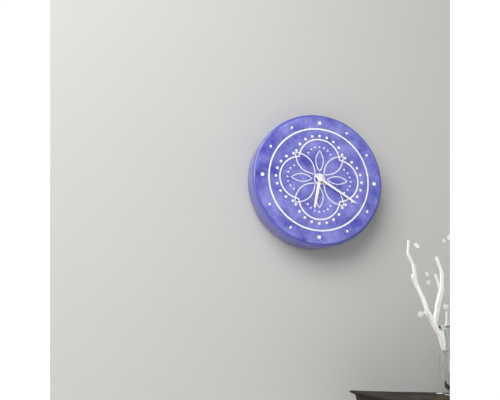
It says 6:20
